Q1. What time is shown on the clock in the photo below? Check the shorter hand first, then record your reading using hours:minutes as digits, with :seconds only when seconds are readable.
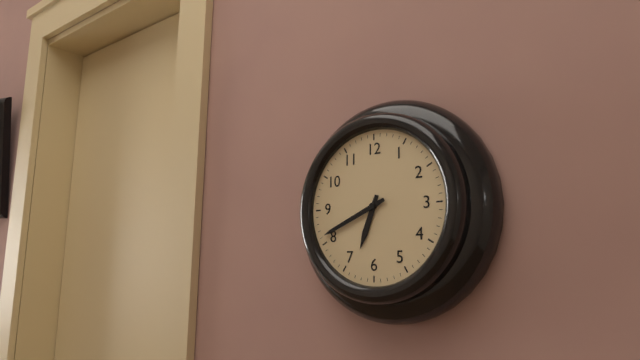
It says 6:41
